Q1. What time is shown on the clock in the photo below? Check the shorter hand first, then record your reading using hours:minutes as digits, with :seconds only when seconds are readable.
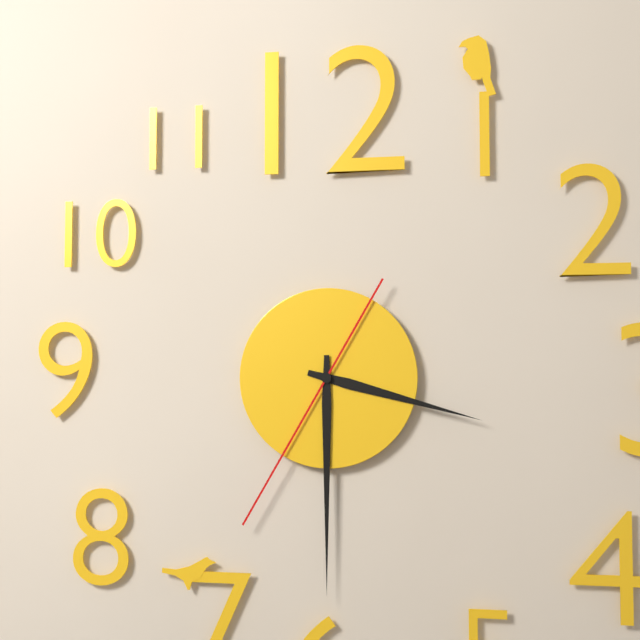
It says 3:30:35
